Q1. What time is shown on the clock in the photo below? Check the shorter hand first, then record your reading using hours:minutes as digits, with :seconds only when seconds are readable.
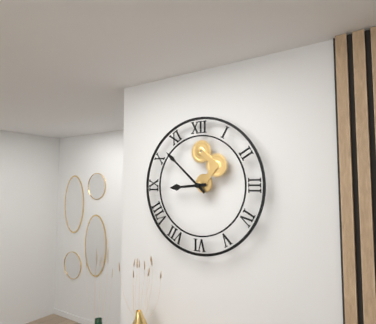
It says 8:52
